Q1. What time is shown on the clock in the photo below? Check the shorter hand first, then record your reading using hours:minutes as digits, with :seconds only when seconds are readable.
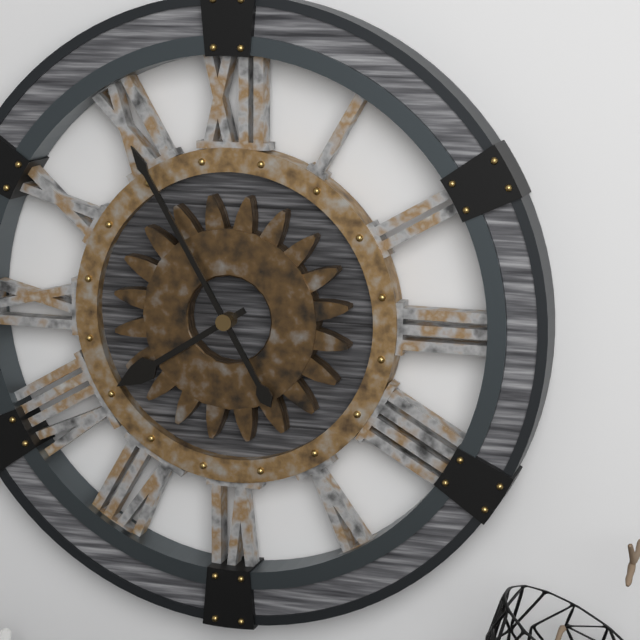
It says 7:55
